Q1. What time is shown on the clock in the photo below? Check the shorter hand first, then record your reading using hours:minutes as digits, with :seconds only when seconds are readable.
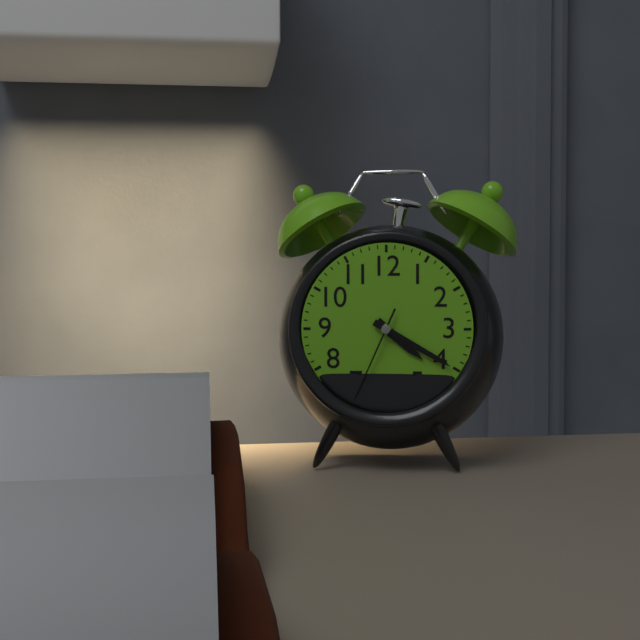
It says 4:20:34
